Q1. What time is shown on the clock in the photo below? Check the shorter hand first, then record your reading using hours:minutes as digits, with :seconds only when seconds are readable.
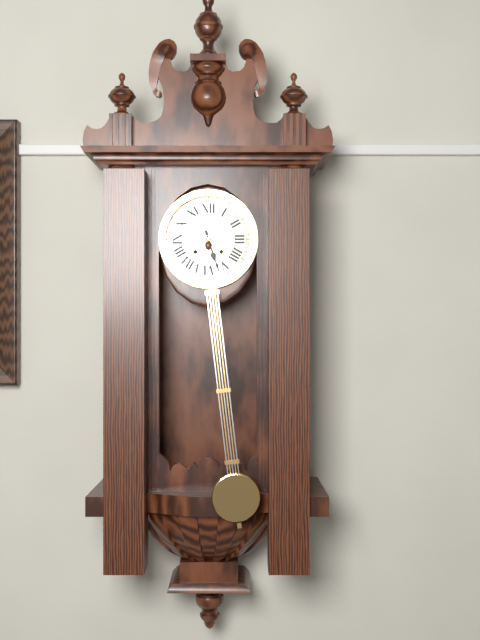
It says 5:27
